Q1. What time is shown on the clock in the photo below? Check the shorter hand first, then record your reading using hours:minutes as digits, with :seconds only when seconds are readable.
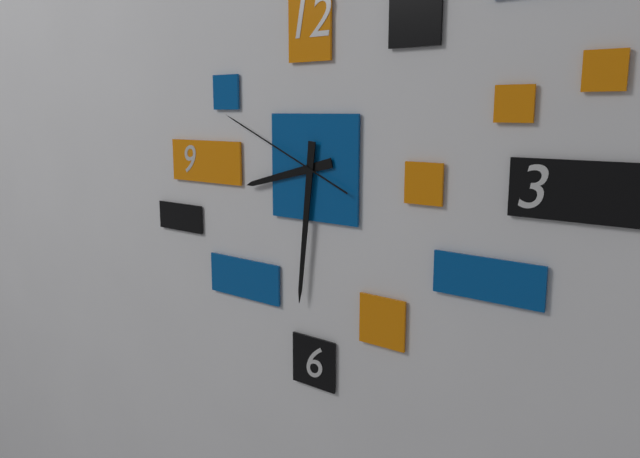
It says 8:31:49
